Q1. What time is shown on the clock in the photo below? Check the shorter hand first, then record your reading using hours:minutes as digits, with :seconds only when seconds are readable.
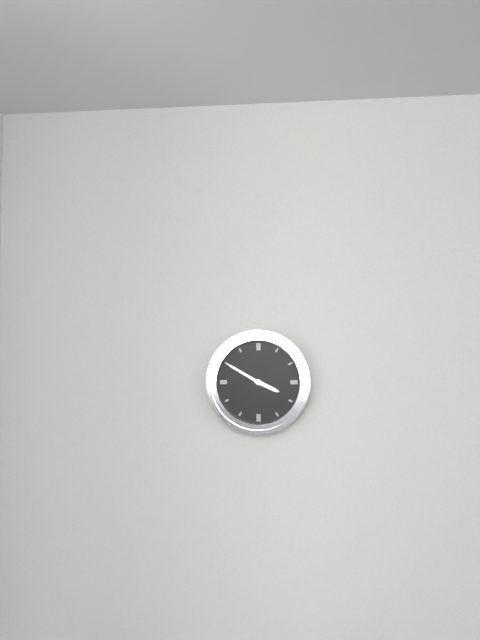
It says 3:50
